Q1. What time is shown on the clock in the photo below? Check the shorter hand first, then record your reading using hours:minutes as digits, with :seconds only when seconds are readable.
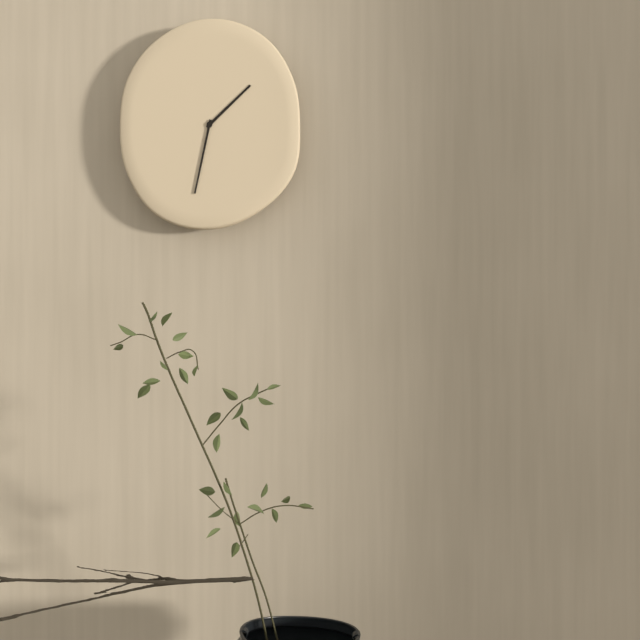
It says 1:32
